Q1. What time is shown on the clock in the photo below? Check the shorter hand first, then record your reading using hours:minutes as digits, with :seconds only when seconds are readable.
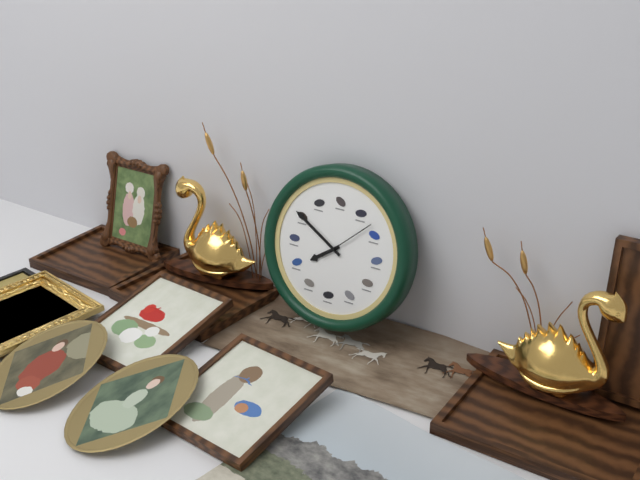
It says 7:50:08
